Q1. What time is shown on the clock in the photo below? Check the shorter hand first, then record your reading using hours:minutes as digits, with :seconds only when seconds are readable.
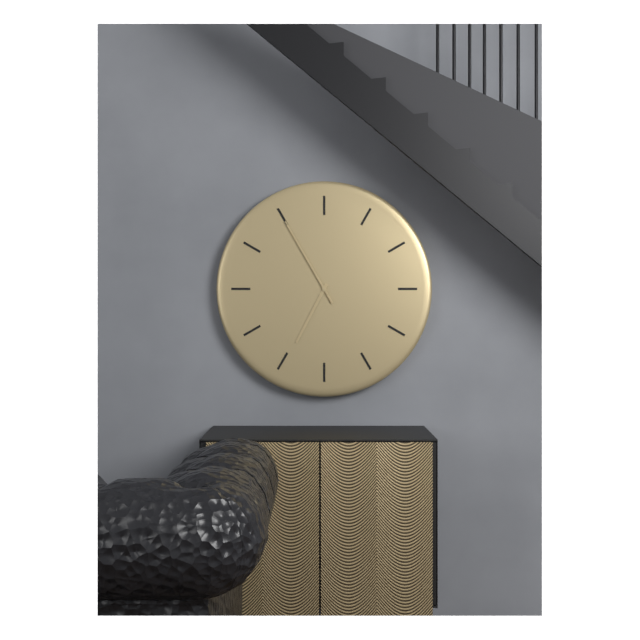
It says 6:55
